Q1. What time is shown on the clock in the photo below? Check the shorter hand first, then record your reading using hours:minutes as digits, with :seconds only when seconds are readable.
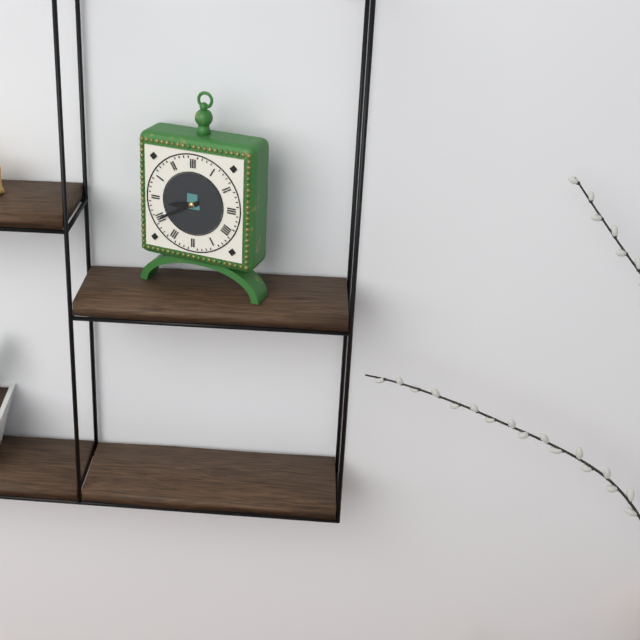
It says 8:40
